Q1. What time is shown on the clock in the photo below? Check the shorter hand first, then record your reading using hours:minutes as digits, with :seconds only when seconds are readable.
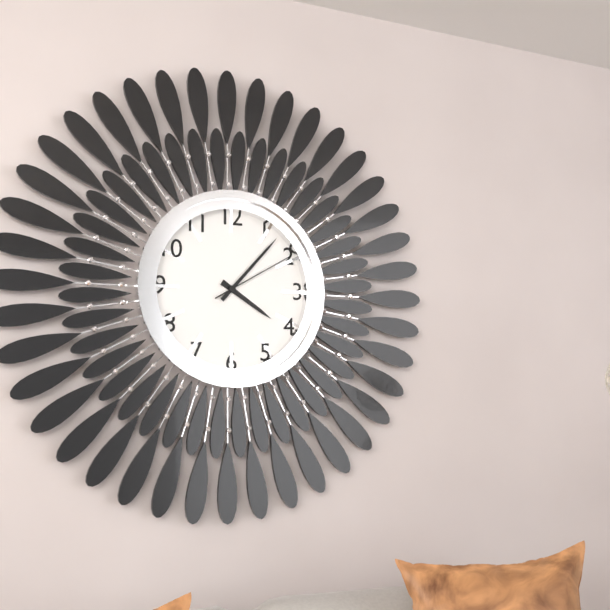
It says 4:07:10
